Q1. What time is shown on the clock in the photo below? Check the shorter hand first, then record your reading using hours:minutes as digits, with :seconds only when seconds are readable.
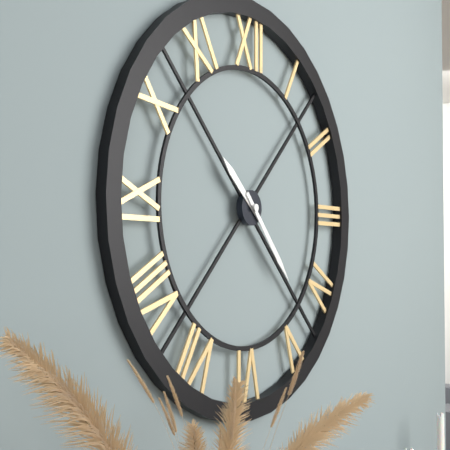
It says 10:23
